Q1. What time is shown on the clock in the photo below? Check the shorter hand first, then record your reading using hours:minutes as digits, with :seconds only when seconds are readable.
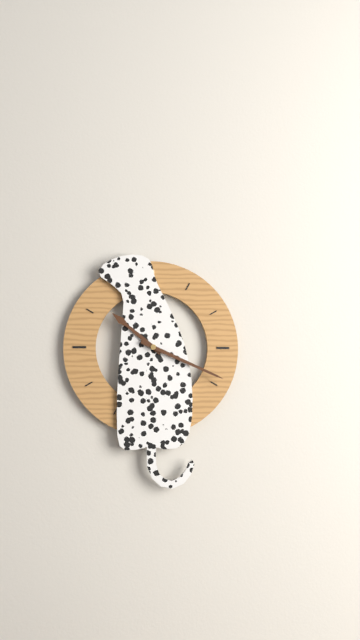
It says 10:19
